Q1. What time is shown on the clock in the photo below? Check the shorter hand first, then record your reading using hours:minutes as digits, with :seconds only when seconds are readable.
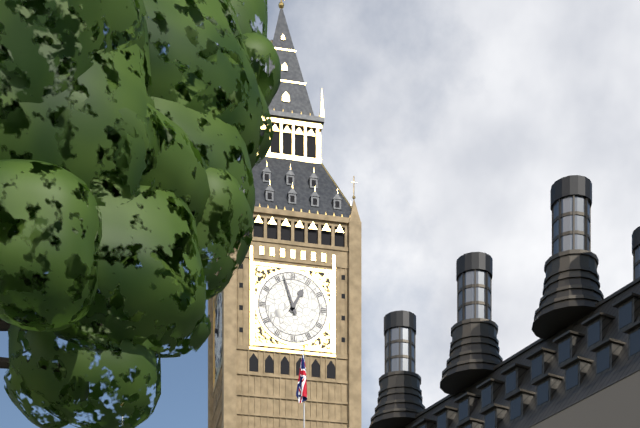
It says 12:57
